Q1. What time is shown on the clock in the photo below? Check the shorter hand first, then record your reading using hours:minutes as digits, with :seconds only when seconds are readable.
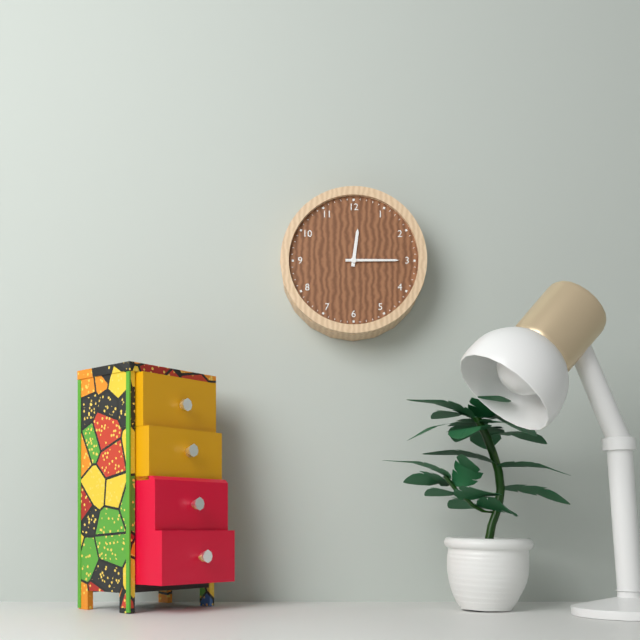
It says 12:15
